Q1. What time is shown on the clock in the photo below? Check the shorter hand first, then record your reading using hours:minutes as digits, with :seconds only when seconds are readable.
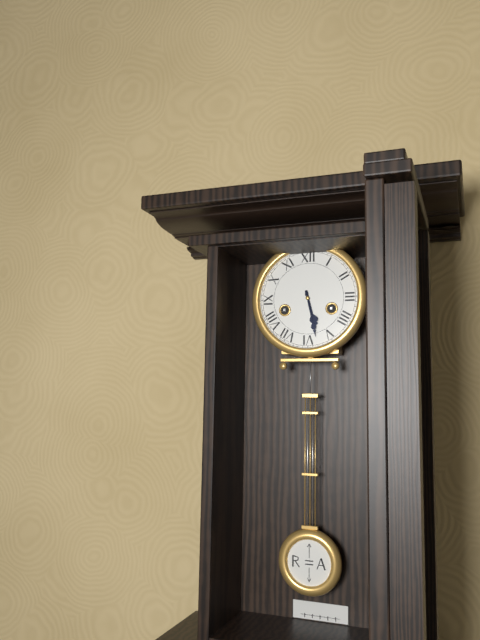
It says 5:28
